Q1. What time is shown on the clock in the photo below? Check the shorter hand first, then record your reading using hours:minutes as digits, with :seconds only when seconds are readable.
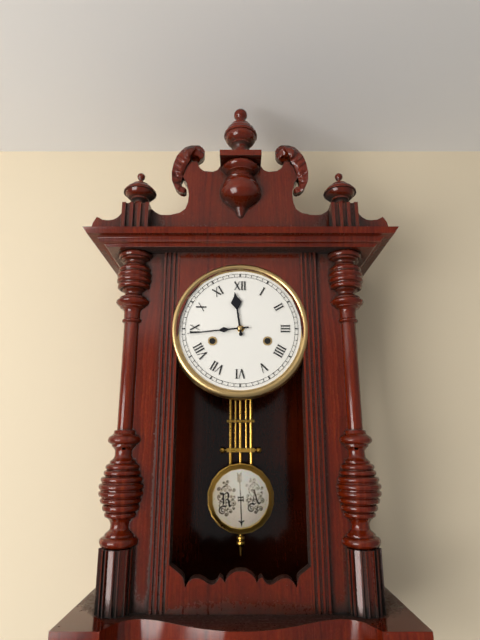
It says 11:44
